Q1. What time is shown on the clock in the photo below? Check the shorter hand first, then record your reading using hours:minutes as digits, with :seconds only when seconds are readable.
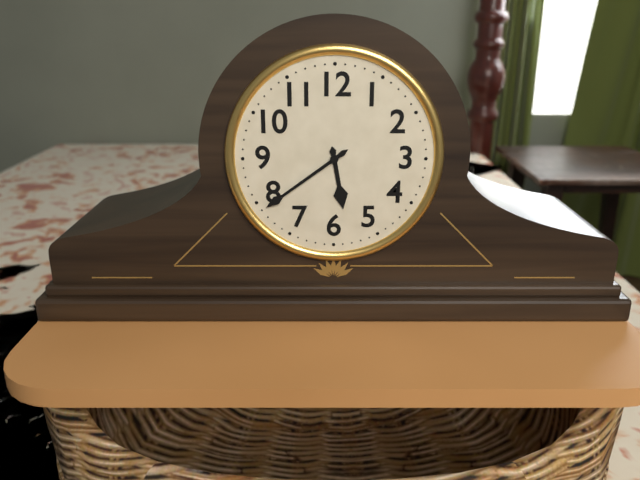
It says 5:39
